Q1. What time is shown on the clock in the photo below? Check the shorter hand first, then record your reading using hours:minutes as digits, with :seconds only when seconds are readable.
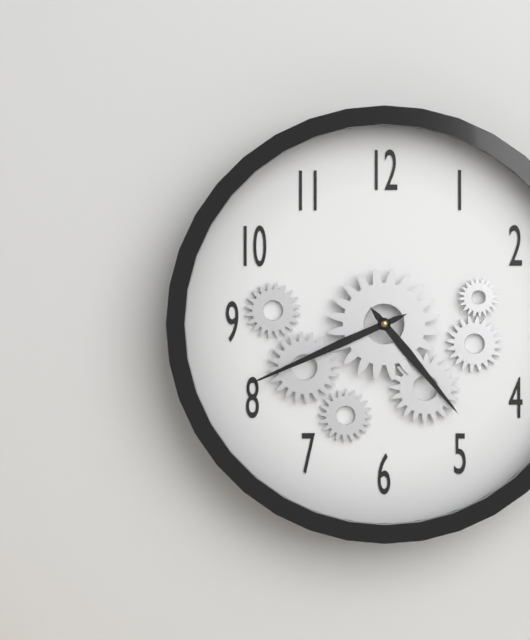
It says 4:41
